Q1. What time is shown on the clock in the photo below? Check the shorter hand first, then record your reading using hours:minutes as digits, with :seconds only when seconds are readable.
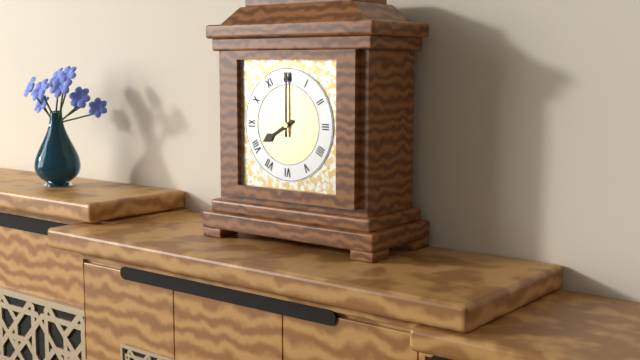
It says 8:00
